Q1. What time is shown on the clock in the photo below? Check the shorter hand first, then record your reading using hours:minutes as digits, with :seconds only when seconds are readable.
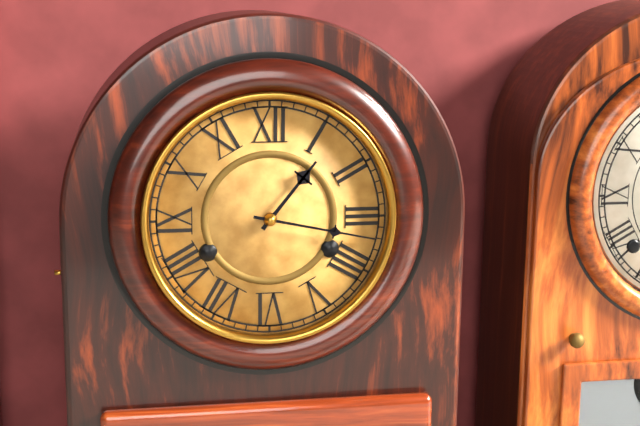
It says 1:17
